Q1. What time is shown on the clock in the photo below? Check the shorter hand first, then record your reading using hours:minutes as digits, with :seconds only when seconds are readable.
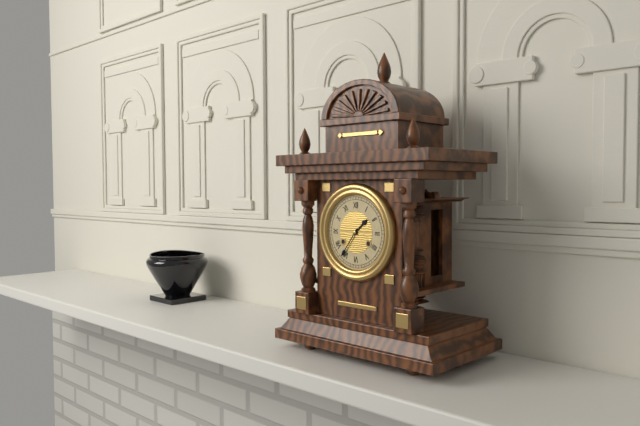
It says 1:36
